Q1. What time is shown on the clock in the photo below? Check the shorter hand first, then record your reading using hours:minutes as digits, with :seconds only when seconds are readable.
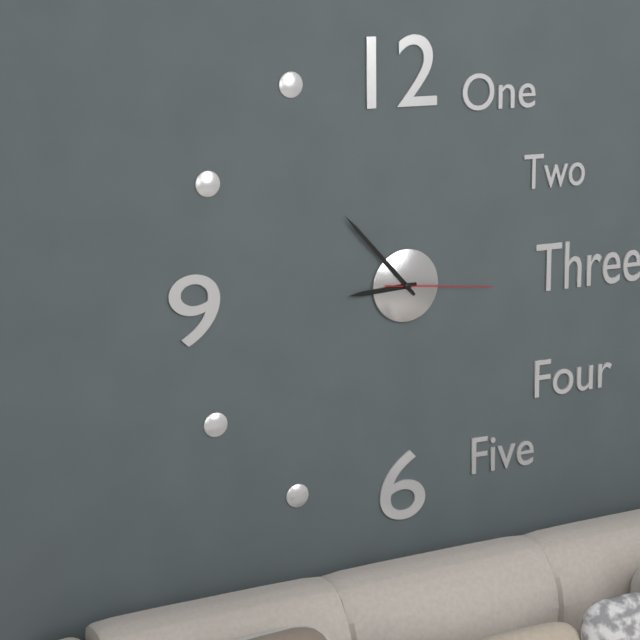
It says 8:53:16
